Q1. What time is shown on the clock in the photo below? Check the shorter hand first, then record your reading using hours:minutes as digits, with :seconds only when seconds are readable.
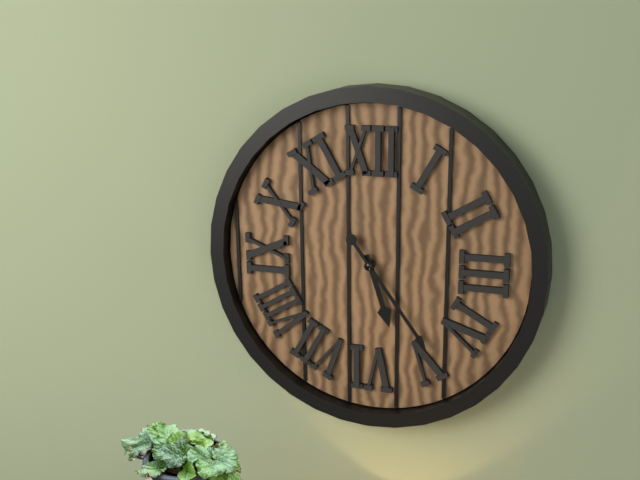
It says 5:24
